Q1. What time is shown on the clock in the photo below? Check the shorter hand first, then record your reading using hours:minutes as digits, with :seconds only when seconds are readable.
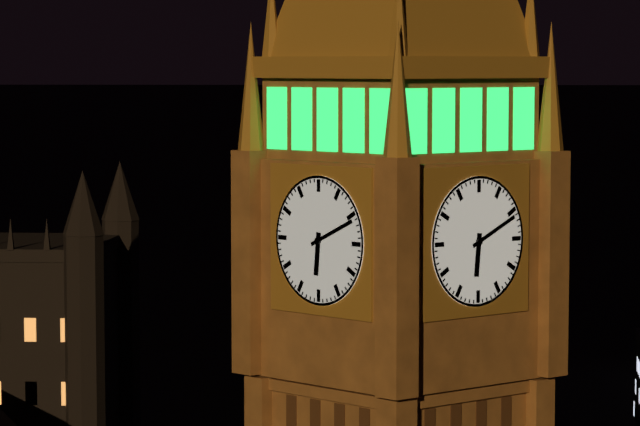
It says 6:11
